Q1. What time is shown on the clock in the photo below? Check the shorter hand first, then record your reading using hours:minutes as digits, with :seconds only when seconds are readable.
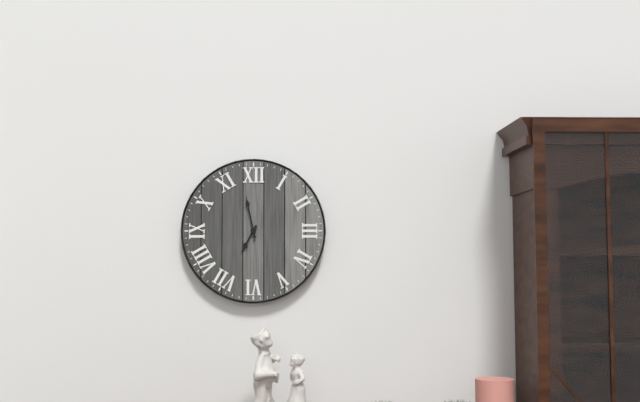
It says 6:58
